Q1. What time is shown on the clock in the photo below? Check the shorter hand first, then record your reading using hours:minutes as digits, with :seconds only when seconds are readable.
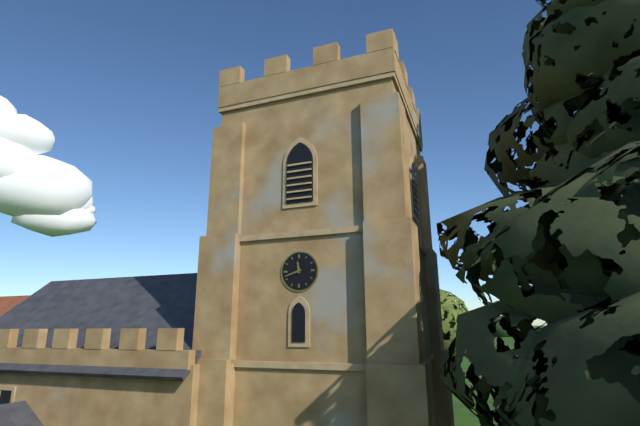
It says 11:42
